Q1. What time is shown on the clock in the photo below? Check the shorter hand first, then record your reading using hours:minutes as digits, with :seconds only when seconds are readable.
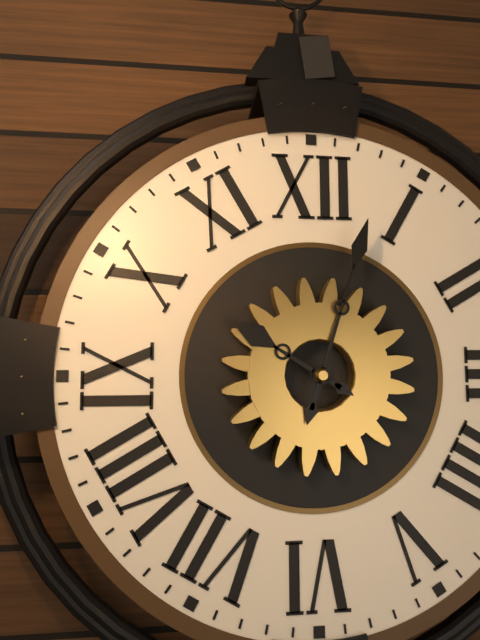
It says 10:03
